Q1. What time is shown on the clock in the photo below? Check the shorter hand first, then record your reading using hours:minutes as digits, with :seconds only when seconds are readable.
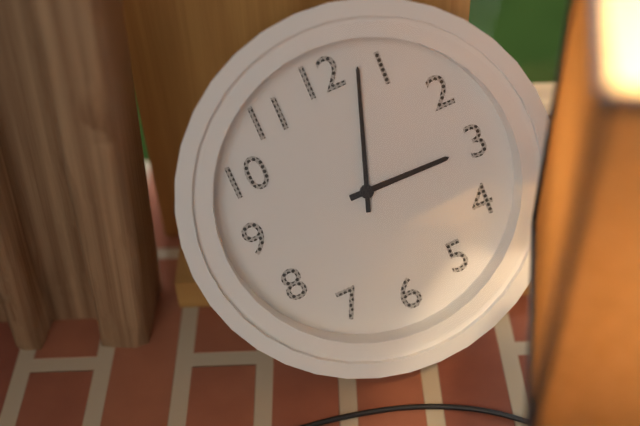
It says 3:03
